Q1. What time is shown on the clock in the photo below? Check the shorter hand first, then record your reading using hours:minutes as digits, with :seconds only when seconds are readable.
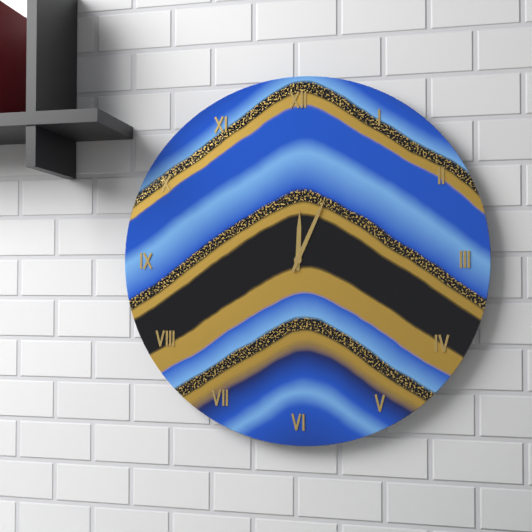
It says 12:04
